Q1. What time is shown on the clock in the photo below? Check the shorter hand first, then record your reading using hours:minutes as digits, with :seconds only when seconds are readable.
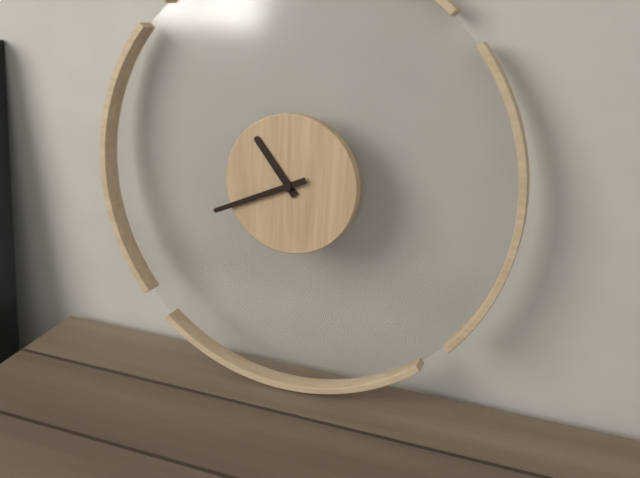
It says 10:41
